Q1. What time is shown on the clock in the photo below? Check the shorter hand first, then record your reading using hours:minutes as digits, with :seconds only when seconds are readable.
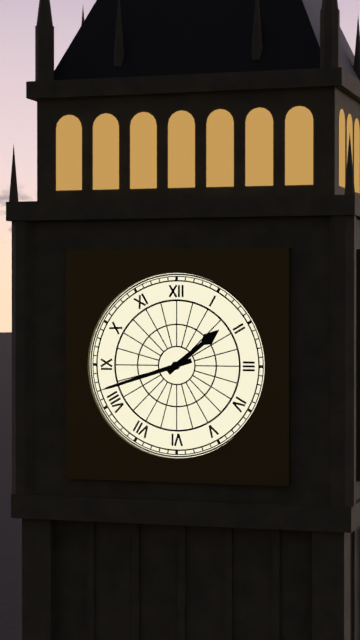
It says 1:42
